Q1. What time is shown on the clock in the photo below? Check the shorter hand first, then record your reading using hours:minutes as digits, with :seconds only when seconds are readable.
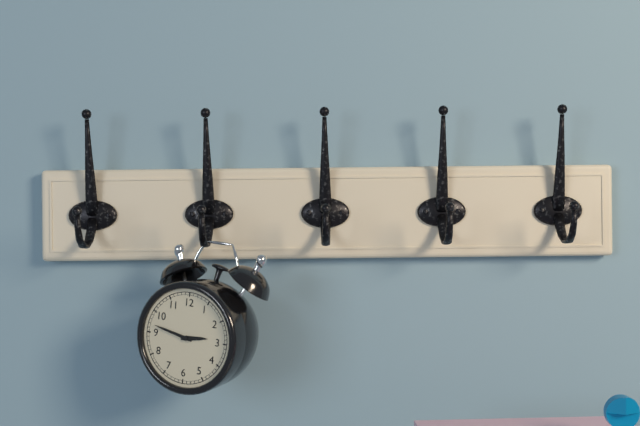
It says 2:47
